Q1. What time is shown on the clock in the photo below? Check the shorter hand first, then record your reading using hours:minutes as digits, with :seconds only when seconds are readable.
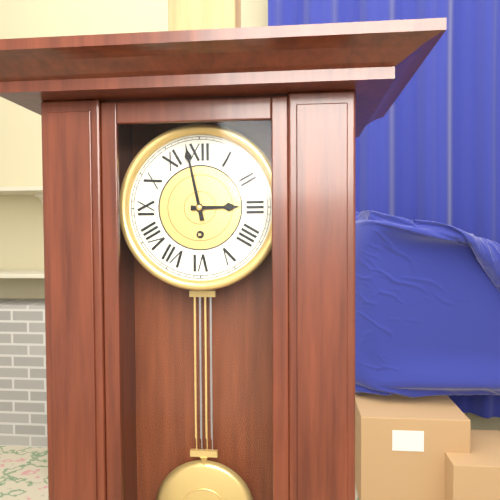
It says 2:58
